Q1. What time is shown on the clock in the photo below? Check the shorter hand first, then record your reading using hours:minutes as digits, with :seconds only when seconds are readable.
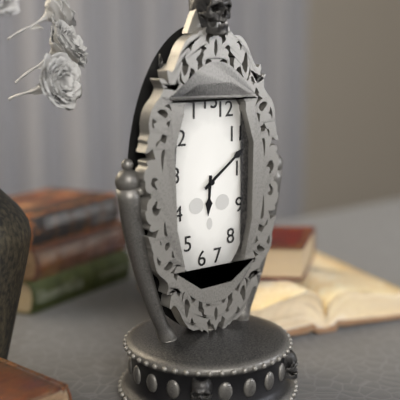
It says 6:09
